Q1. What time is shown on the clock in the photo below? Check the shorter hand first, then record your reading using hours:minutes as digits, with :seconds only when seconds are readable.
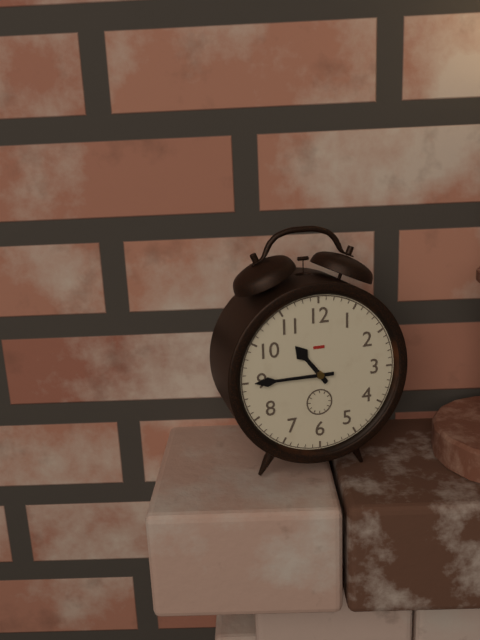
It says 10:45
